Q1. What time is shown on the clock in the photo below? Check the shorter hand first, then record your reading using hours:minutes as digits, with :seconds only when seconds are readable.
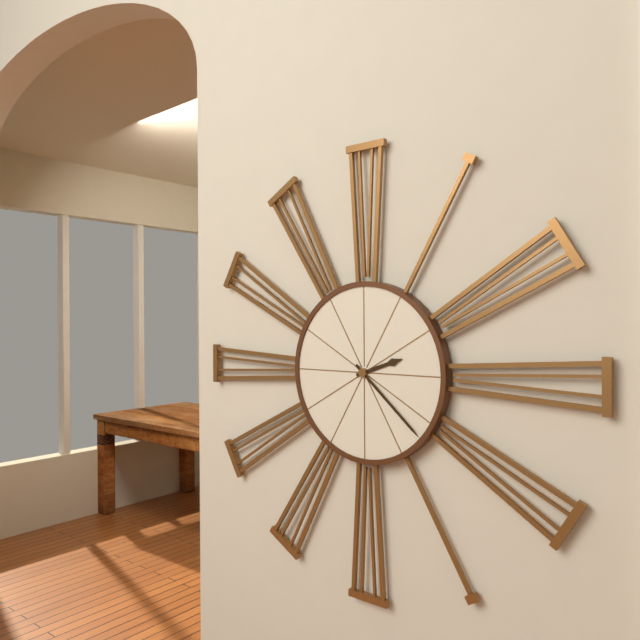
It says 2:22
